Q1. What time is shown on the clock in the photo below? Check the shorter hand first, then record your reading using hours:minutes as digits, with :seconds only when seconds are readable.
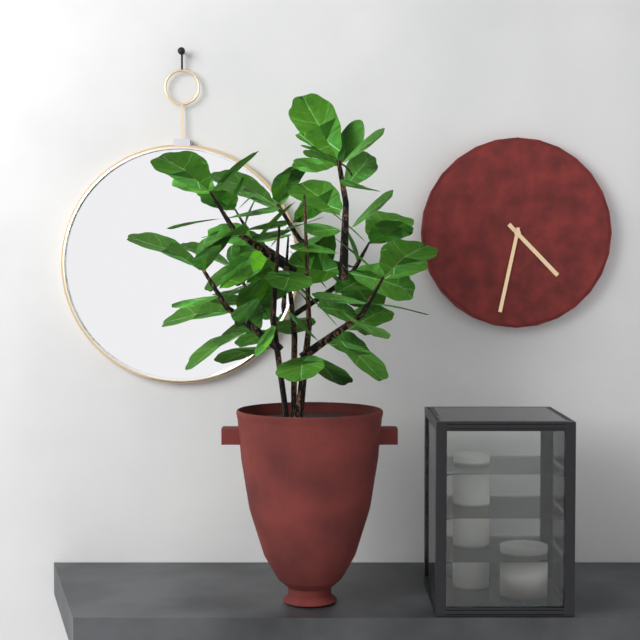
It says 4:32
